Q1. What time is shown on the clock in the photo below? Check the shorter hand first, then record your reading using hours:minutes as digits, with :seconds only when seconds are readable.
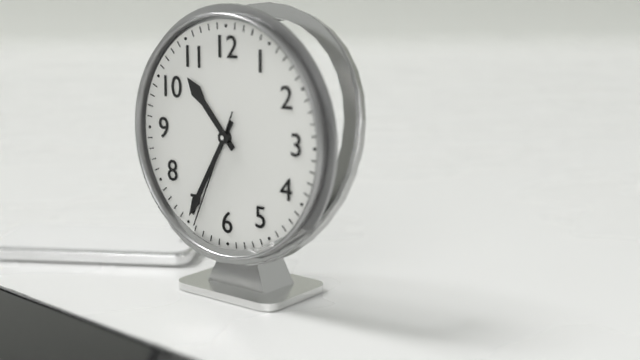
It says 10:35:34
